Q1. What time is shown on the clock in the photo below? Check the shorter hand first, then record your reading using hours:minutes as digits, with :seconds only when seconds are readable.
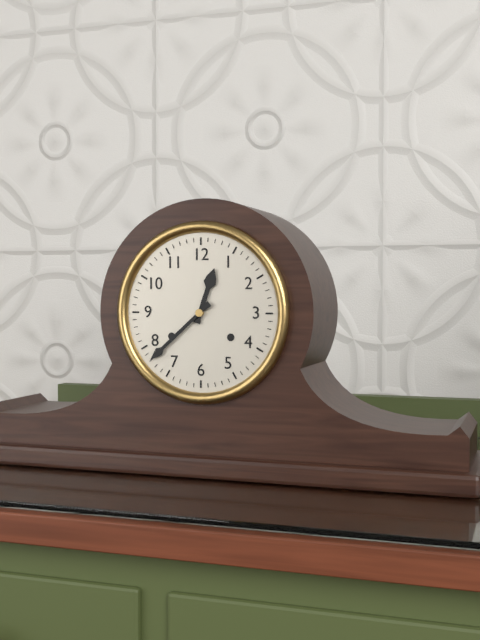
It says 12:38
